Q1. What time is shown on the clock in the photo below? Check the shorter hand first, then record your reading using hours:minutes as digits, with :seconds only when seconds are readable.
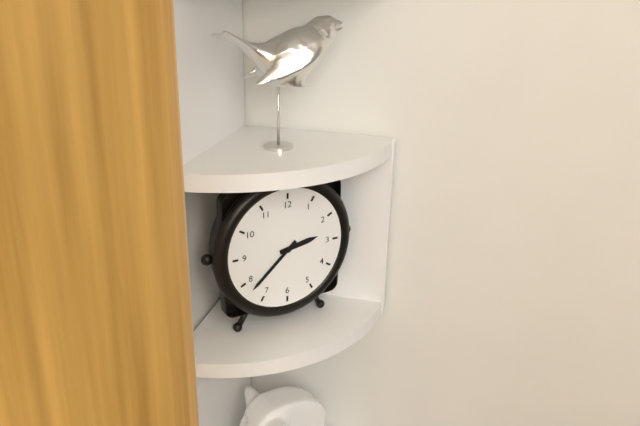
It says 2:38
